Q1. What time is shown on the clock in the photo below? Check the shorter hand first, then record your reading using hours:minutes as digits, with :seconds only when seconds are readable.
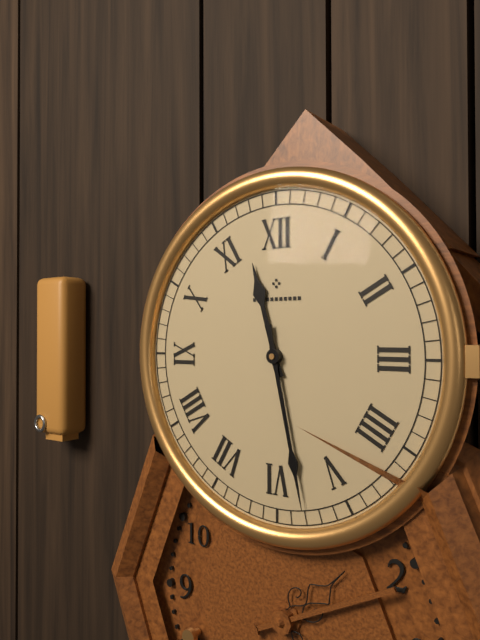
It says 11:28
